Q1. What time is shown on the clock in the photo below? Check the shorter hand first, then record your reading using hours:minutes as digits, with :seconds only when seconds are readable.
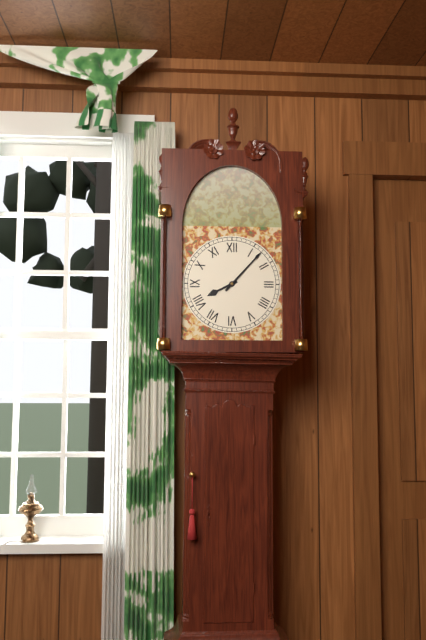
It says 8:07
